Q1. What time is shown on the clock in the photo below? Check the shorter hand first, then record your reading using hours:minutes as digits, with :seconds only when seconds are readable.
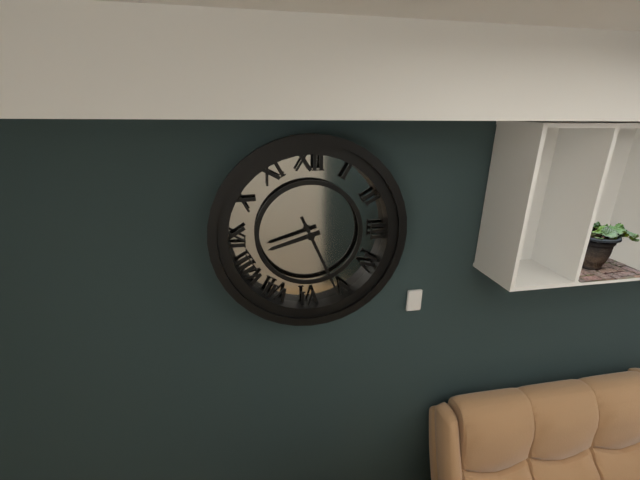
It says 8:26
